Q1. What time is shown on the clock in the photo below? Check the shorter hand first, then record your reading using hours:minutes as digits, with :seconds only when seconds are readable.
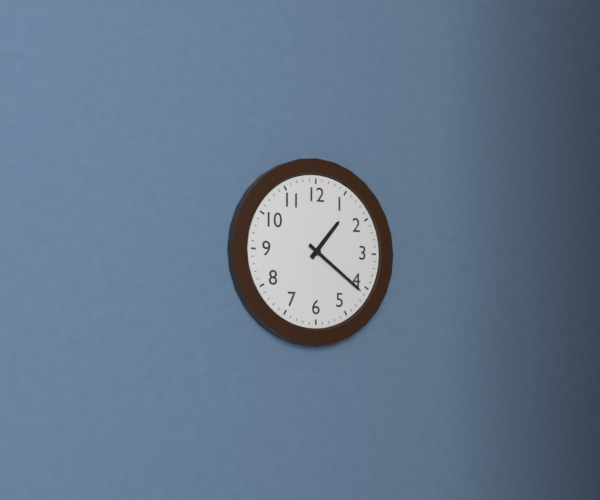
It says 1:21
